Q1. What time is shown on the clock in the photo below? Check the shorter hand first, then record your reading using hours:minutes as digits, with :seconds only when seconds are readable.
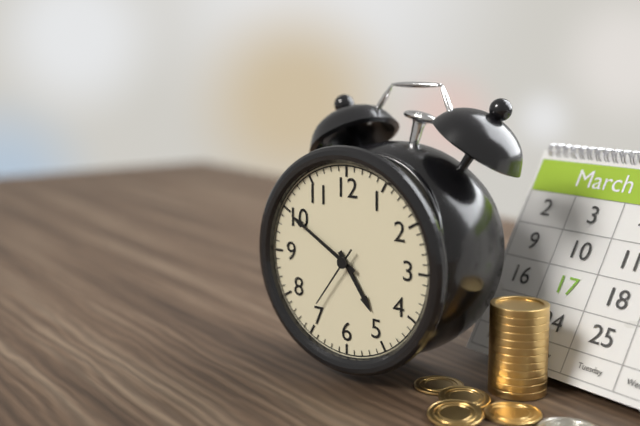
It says 4:50:36
